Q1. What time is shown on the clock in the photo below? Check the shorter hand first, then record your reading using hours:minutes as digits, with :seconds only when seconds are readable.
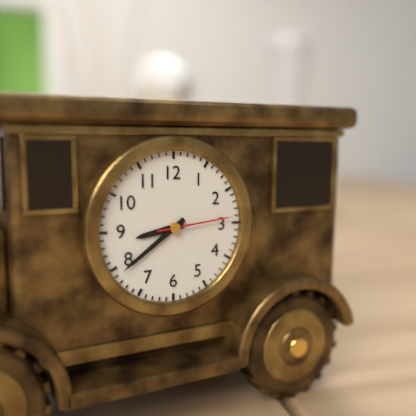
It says 8:39:14
